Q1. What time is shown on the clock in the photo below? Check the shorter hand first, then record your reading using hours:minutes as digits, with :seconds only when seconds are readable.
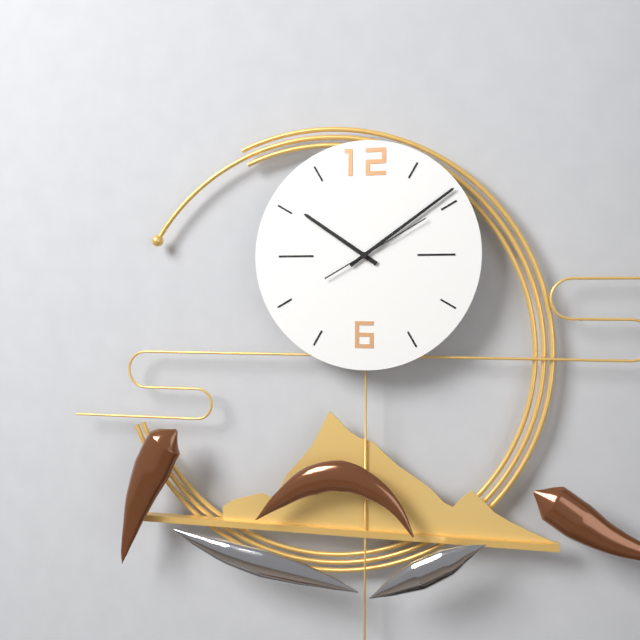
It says 10:09:10
